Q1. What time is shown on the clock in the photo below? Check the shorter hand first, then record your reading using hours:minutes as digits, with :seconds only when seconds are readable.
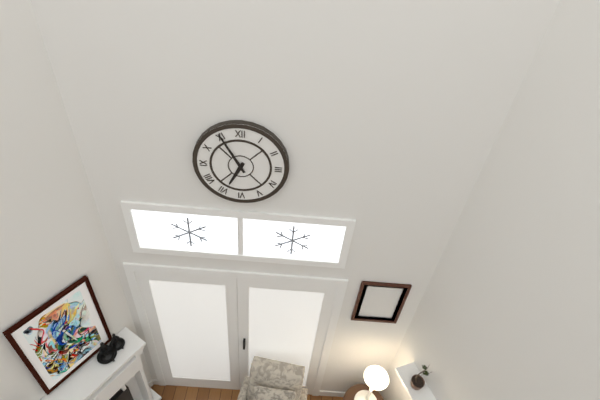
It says 6:55
